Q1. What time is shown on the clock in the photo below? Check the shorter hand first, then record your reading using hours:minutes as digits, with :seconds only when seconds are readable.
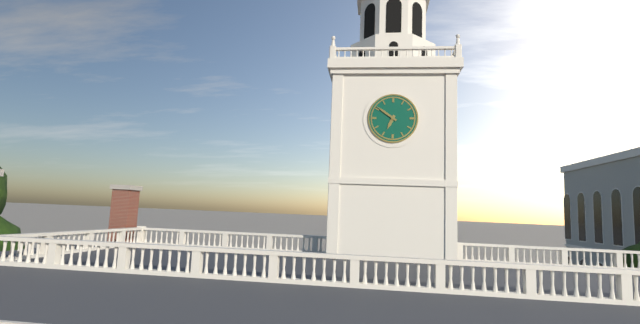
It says 6:51
